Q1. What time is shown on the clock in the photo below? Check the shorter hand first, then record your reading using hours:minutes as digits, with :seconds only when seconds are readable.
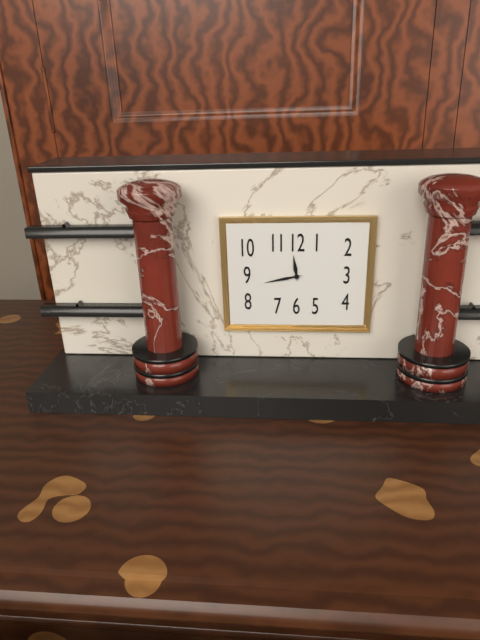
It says 11:43
